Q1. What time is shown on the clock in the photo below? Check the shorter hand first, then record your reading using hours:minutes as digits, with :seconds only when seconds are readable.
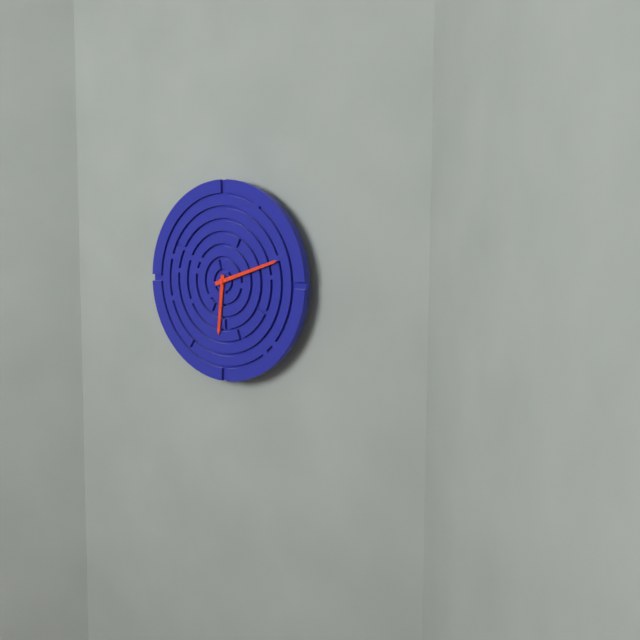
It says 6:12
